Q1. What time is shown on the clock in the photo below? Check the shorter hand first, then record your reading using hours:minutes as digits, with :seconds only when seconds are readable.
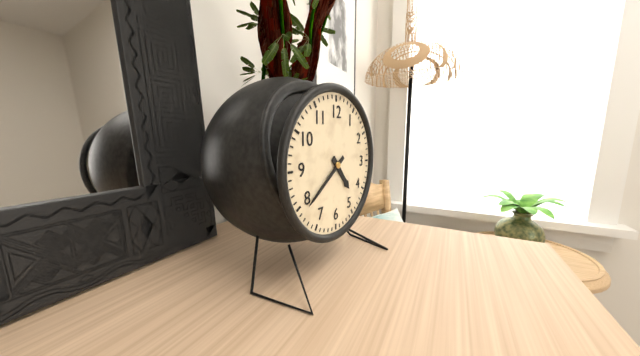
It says 4:39
